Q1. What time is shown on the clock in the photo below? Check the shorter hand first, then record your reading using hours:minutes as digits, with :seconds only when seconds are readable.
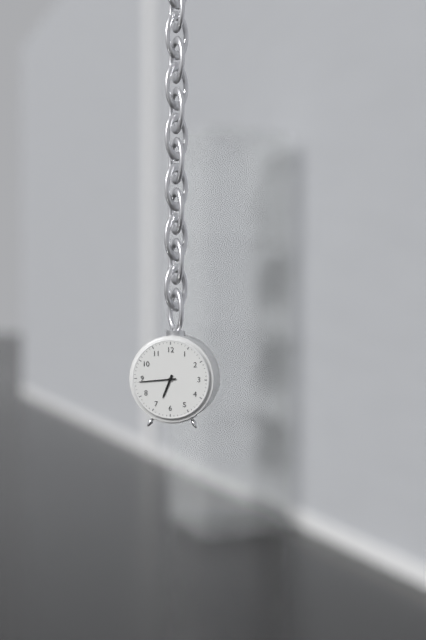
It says 6:44
